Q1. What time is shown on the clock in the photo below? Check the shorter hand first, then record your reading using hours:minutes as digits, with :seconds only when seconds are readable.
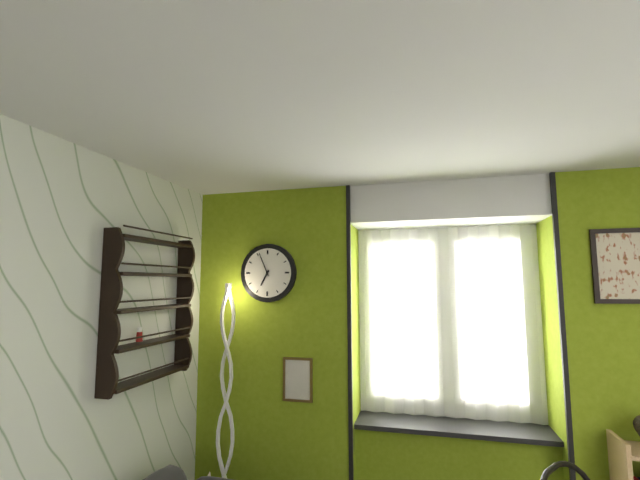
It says 6:56
